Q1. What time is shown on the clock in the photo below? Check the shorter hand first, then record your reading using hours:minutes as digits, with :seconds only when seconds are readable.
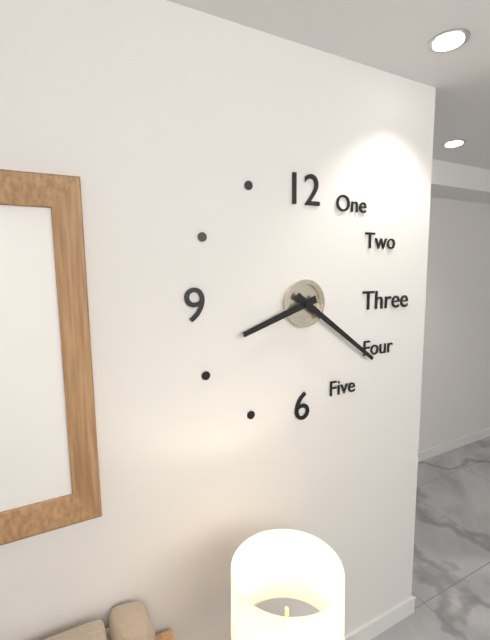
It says 8:21
